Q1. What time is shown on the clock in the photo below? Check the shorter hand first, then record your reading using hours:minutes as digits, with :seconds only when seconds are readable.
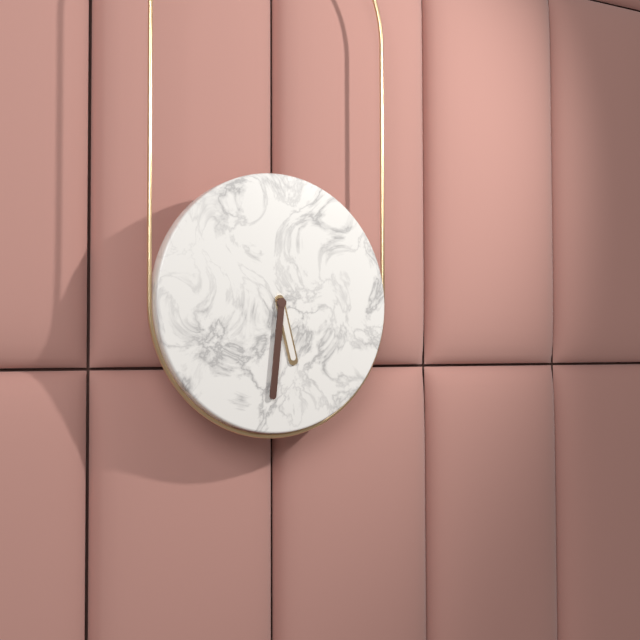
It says 5:31
